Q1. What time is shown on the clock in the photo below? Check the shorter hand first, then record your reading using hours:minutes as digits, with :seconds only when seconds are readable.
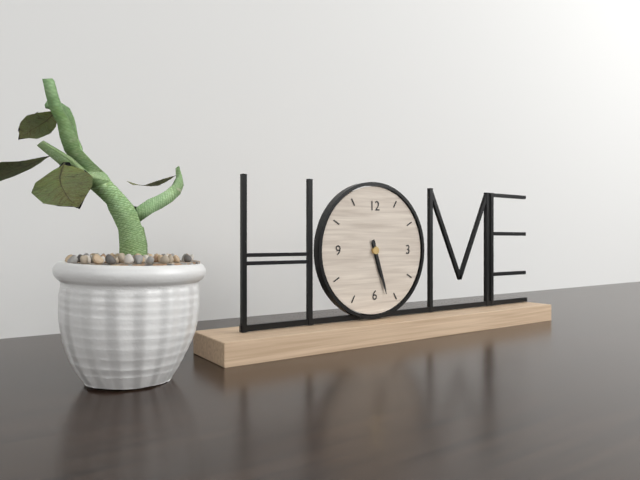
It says 5:27
